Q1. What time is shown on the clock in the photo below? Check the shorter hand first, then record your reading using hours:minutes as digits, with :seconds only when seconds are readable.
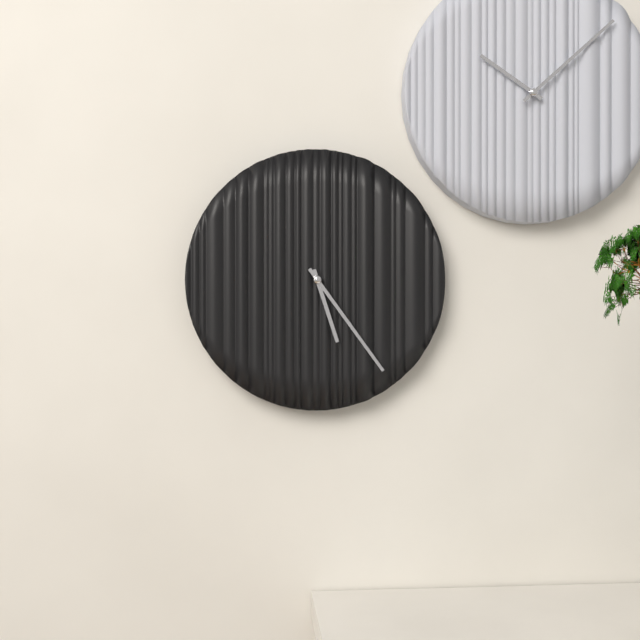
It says 5:24
